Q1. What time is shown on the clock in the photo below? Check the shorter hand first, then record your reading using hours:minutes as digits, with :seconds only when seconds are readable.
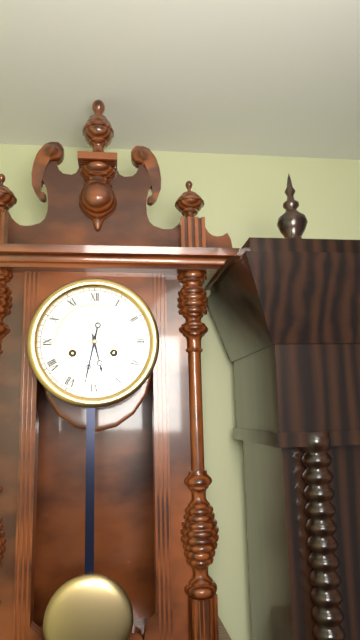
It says 5:32
